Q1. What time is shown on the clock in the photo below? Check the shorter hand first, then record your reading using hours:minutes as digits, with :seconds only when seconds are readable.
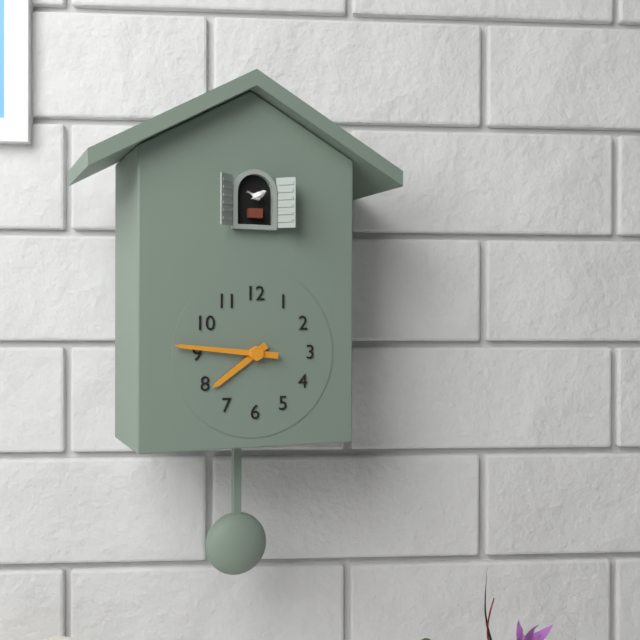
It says 7:46
